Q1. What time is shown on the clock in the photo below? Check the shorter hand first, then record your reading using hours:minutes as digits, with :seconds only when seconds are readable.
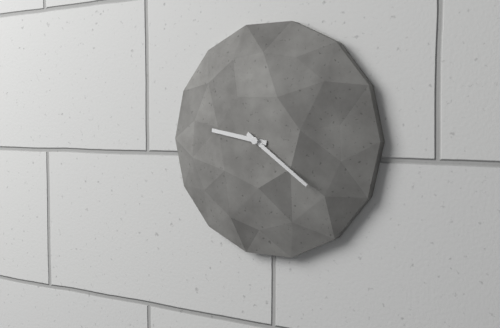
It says 9:21
